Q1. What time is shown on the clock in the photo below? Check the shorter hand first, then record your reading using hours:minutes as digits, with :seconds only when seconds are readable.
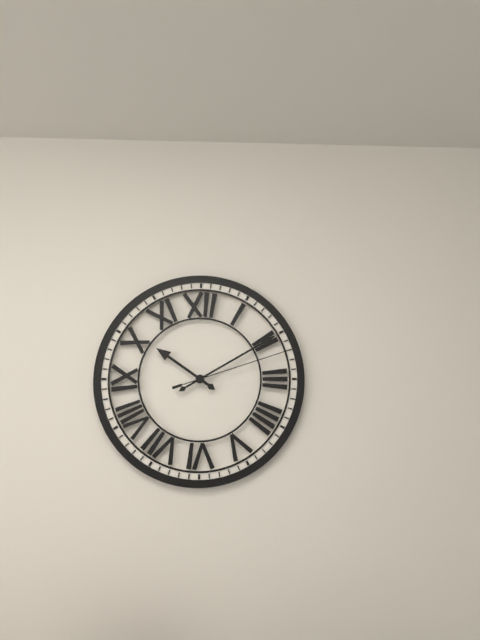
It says 10:10:12
